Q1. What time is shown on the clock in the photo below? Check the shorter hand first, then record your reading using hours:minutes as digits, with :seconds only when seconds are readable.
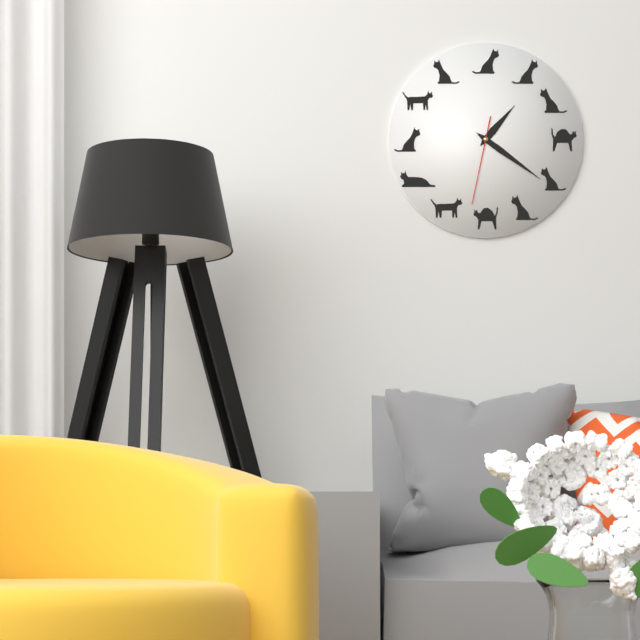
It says 1:21:32
